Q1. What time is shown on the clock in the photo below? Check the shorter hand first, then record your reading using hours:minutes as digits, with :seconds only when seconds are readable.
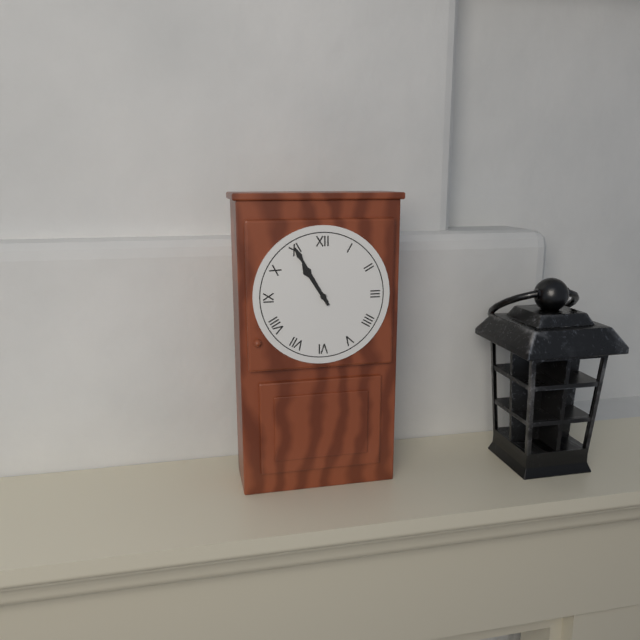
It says 10:55
